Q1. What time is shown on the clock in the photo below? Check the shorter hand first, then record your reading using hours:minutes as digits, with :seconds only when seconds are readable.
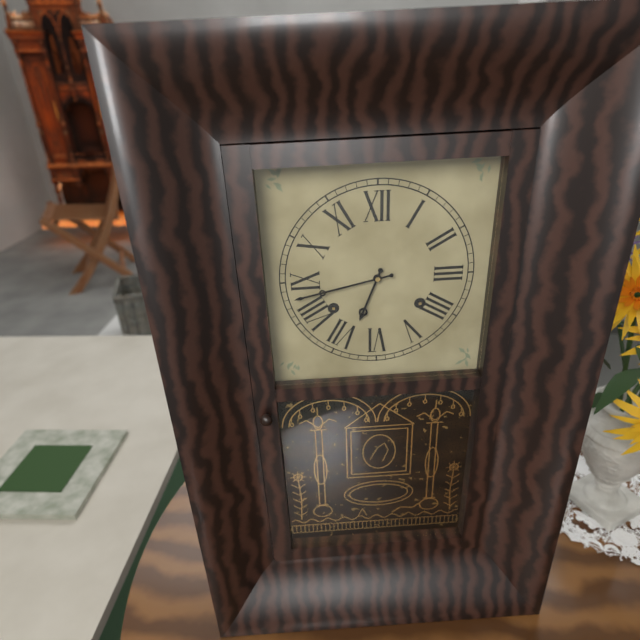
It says 6:43
